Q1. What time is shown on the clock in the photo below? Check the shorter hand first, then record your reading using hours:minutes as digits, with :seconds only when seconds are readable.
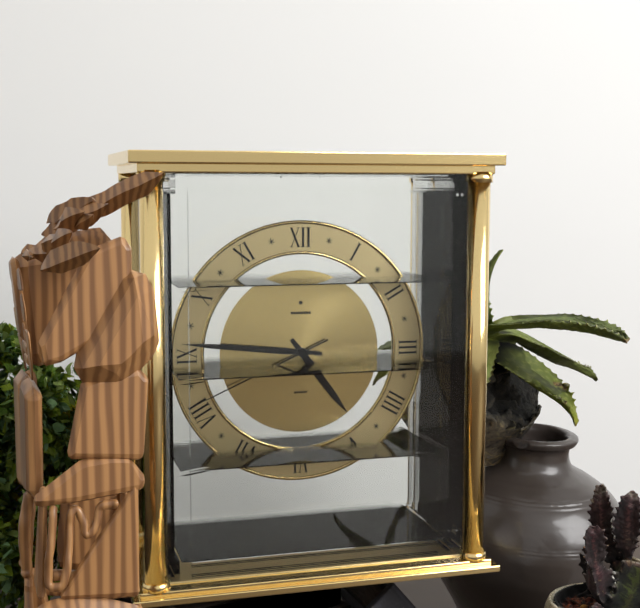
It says 4:46:41
